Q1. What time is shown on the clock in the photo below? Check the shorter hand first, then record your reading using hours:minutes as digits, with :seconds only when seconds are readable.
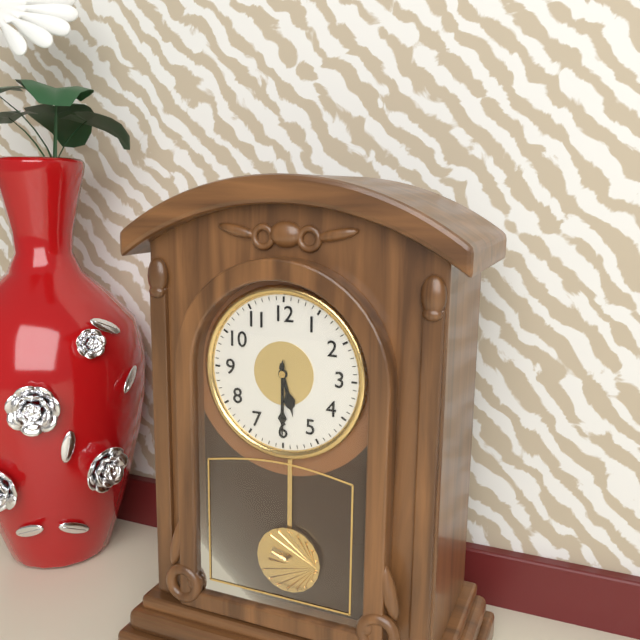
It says 5:30
